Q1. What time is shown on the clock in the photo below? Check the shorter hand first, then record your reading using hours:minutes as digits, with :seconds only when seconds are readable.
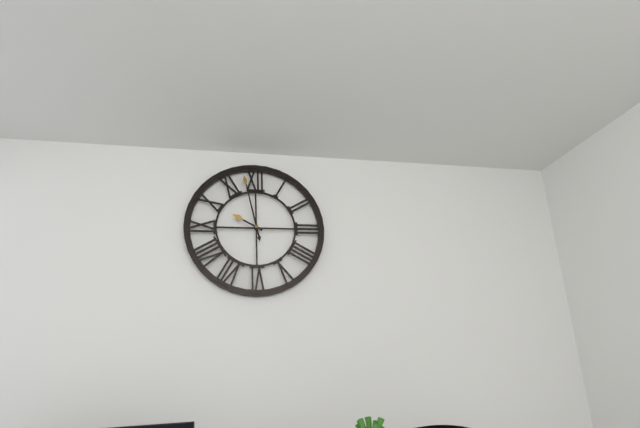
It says 9:58
